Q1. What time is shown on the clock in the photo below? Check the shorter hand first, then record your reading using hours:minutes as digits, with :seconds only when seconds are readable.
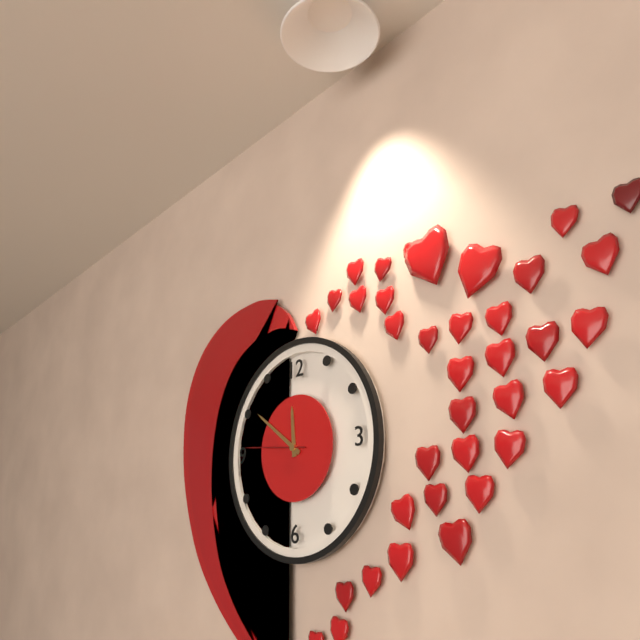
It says 11:51:46
